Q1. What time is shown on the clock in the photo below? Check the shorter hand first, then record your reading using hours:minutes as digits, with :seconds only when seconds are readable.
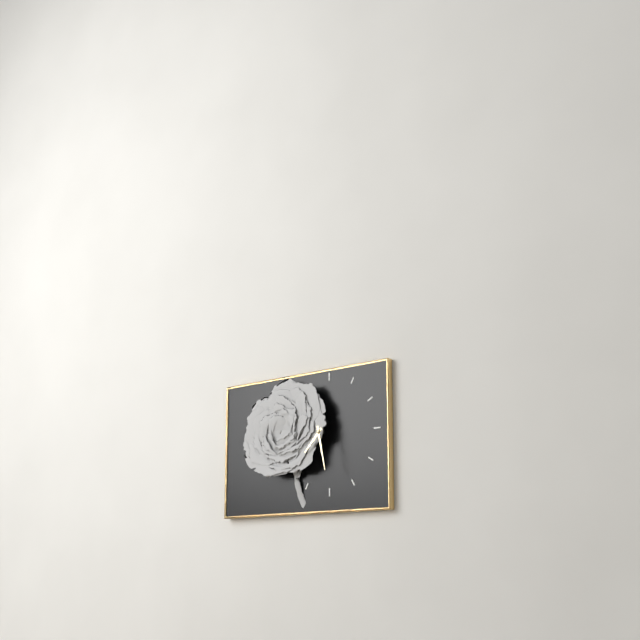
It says 7:28
